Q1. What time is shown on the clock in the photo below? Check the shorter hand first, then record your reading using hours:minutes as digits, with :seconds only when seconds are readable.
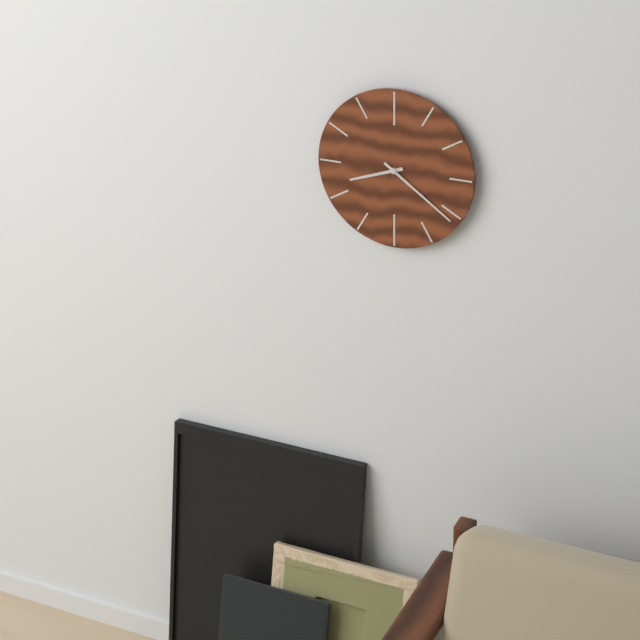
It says 8:21
